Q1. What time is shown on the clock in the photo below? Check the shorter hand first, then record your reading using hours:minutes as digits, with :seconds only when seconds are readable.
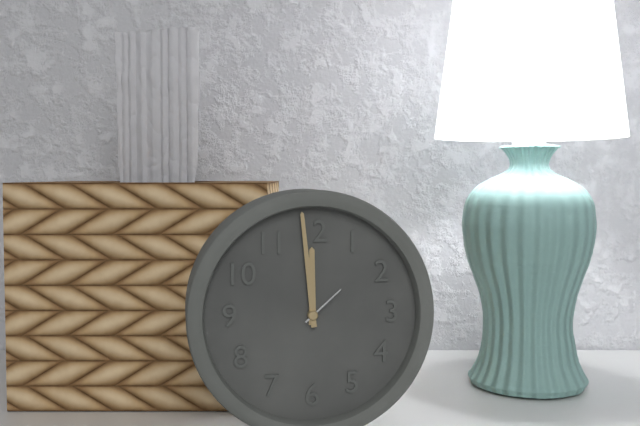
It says 11:59
